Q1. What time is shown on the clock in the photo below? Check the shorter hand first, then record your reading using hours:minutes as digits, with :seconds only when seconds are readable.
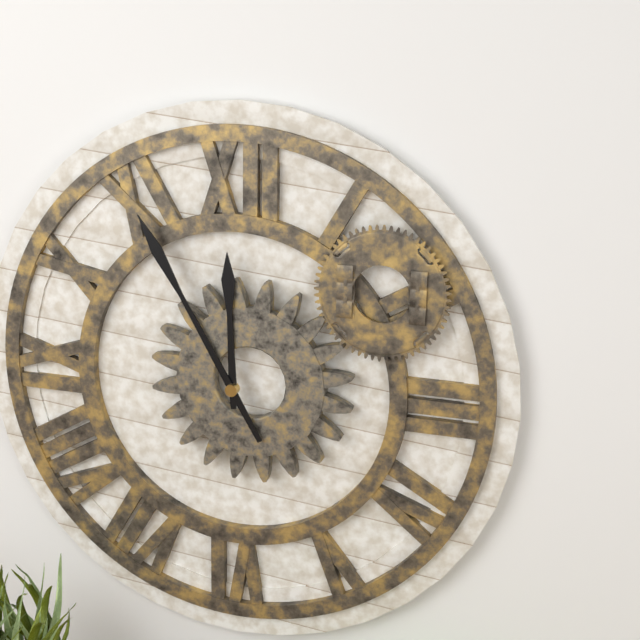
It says 11:55
